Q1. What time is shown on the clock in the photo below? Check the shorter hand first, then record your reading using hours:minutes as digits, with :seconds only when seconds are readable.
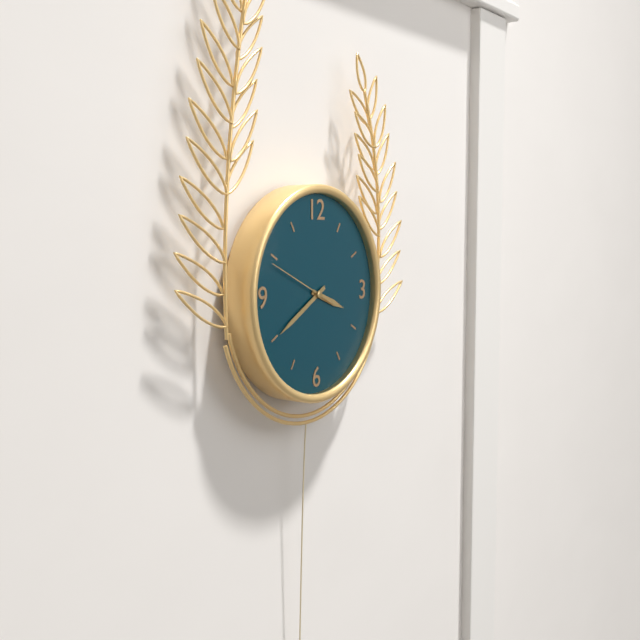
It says 3:40:49
